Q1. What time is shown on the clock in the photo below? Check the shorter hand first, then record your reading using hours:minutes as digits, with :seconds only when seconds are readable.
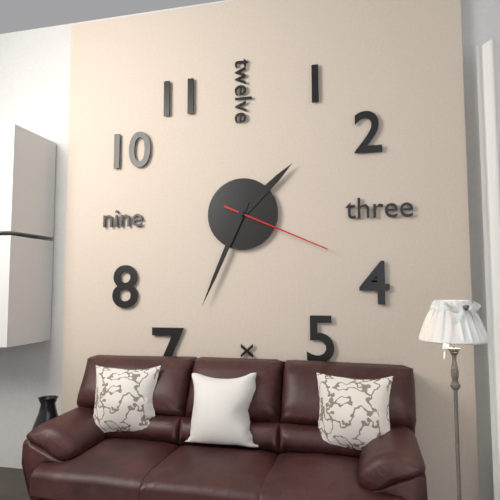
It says 1:34:19
